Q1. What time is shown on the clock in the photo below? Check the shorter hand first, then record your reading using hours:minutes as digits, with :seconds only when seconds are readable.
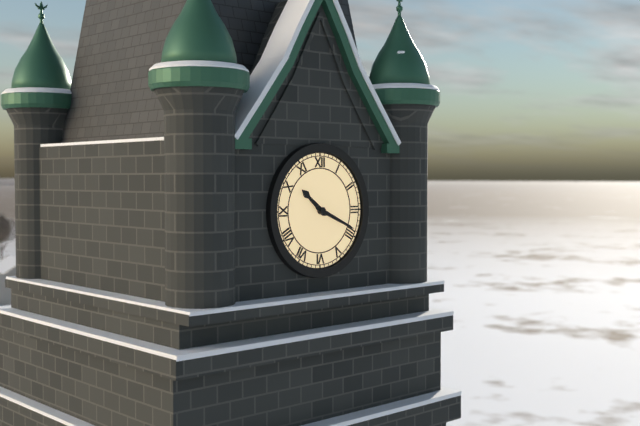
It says 10:19
